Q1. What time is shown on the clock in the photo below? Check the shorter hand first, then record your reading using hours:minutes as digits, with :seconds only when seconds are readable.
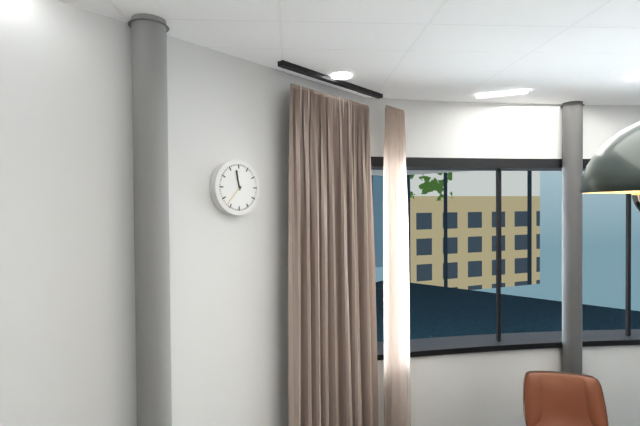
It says 11:37
